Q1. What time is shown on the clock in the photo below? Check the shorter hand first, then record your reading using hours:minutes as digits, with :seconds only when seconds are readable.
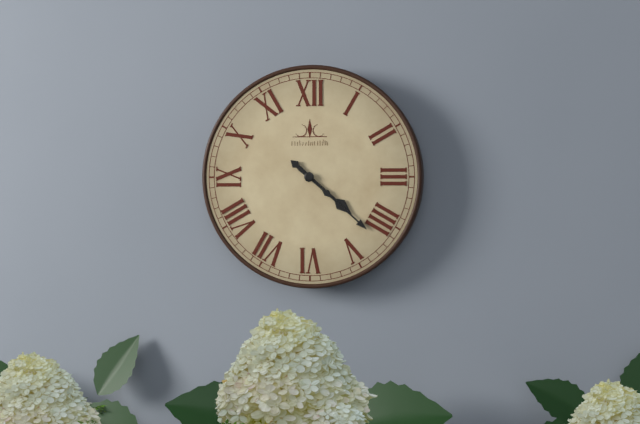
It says 4:22
